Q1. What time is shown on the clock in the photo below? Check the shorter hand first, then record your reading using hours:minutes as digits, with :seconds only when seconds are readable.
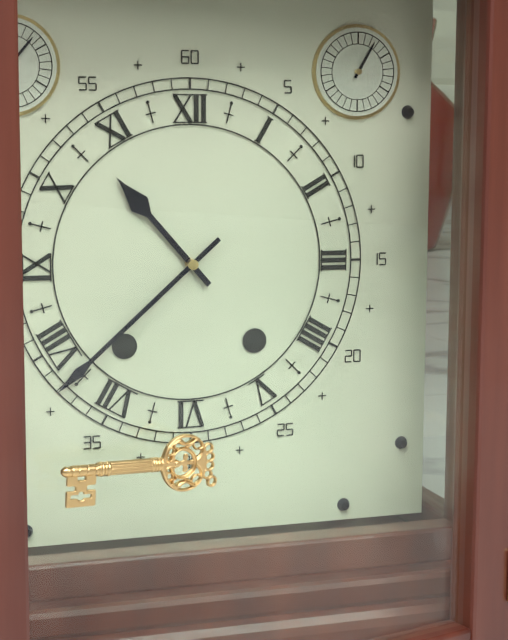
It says 10:38
